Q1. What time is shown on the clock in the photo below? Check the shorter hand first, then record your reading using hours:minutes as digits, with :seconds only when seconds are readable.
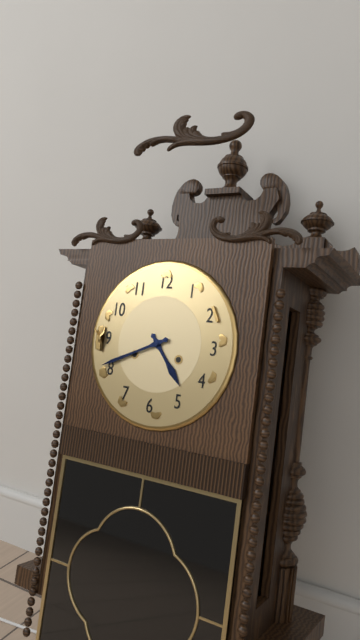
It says 4:41
